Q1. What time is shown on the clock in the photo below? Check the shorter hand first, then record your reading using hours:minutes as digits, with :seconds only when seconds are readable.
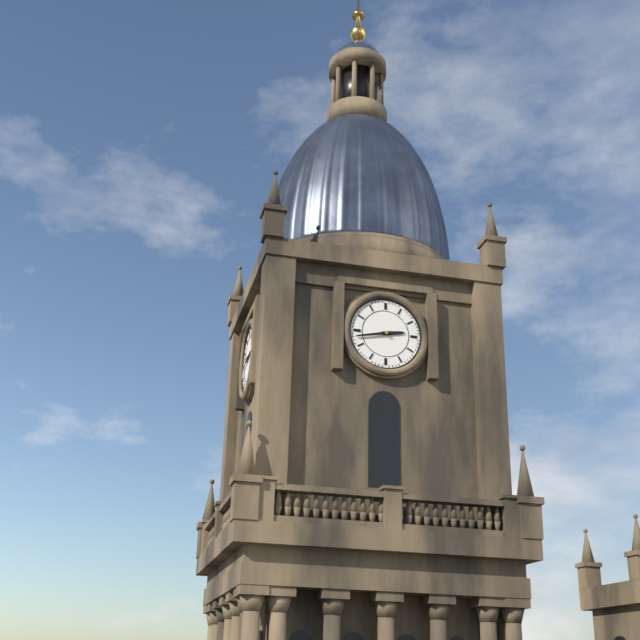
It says 2:43
